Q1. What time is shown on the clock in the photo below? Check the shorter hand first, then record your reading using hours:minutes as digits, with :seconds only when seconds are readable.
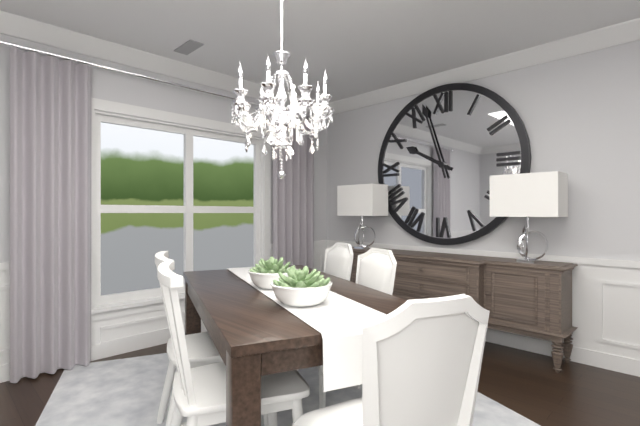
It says 9:57
